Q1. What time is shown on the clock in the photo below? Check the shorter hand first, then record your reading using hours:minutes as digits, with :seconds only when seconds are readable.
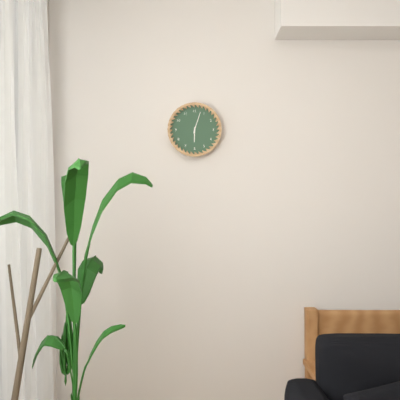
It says 6:03
